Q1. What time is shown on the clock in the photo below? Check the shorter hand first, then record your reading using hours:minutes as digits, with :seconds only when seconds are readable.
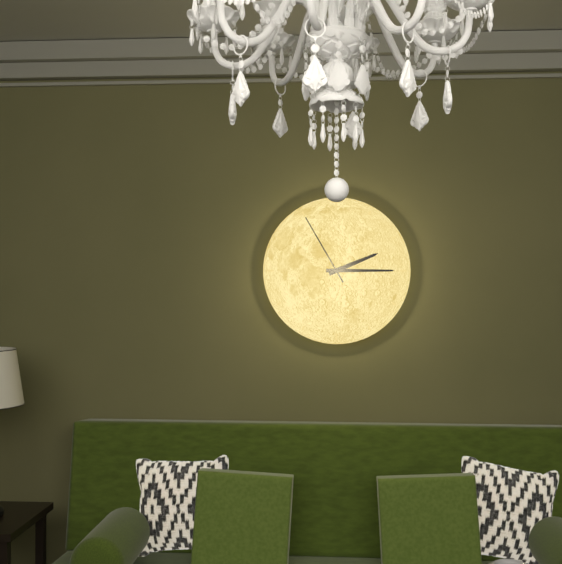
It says 2:15:55
